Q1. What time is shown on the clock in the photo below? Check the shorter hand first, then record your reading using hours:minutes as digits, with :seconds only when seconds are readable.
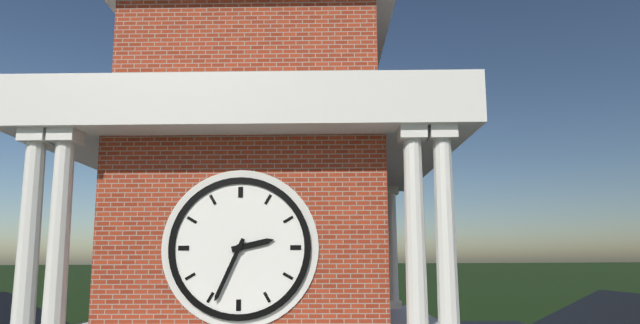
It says 2:34
